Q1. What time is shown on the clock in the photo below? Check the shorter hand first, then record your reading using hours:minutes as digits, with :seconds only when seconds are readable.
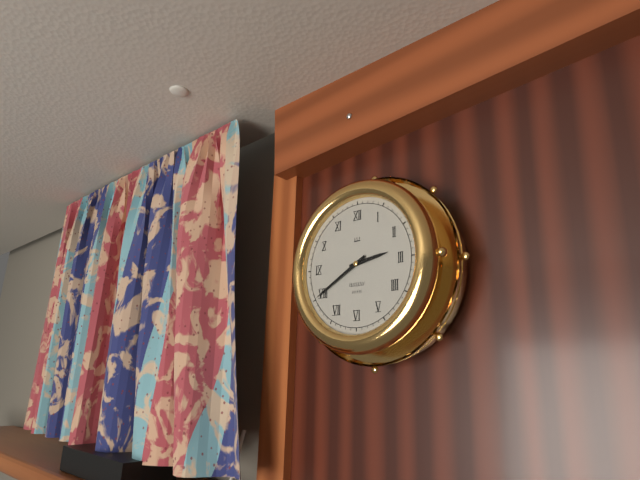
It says 2:40
